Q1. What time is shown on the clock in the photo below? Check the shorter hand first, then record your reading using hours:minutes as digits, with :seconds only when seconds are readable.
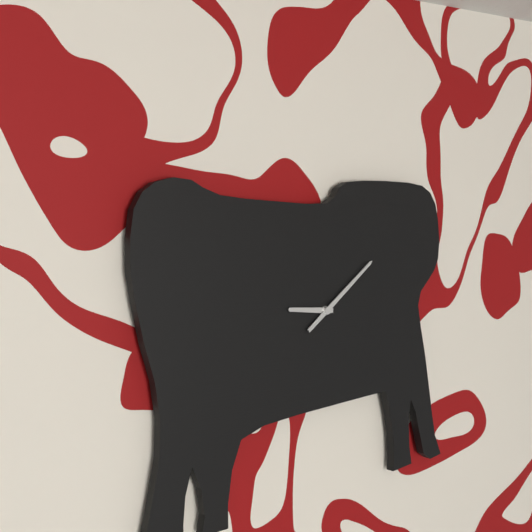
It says 9:09
